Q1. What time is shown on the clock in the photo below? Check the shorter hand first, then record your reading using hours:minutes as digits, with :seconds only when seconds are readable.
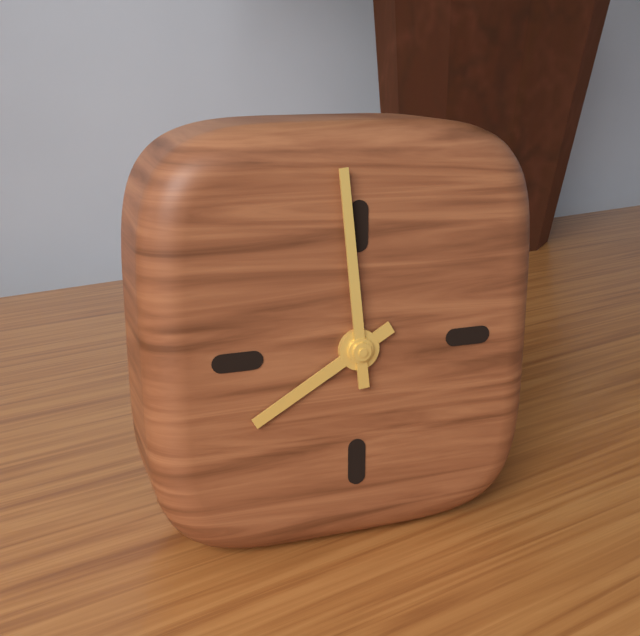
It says 7:59
